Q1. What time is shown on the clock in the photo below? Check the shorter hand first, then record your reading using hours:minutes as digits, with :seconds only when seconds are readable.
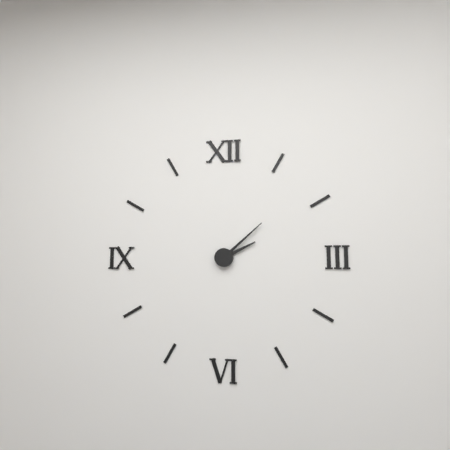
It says 2:08
